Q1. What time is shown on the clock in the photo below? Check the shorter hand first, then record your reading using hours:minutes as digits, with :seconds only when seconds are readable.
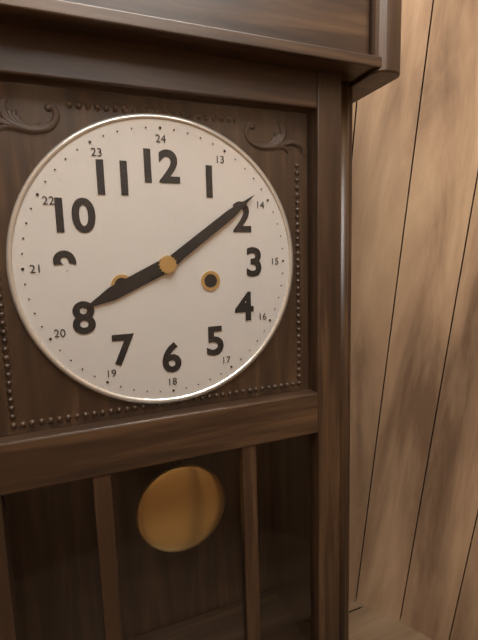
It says 8:09
